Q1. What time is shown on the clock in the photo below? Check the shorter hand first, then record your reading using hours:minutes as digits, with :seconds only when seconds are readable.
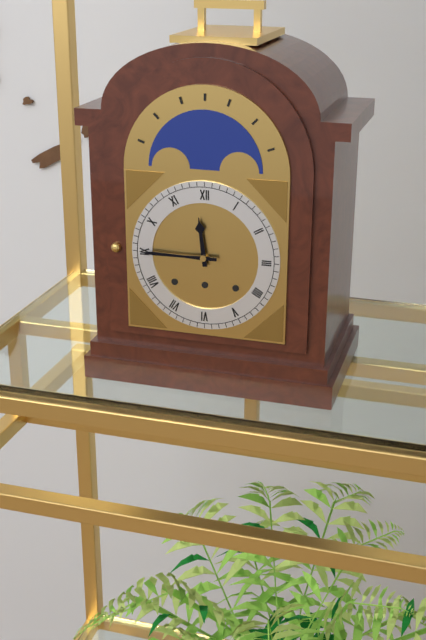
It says 11:45
